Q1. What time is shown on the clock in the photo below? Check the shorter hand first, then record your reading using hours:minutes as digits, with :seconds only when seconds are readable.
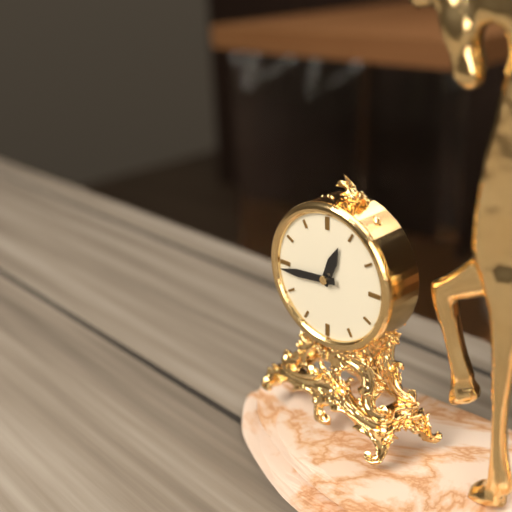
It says 12:44
